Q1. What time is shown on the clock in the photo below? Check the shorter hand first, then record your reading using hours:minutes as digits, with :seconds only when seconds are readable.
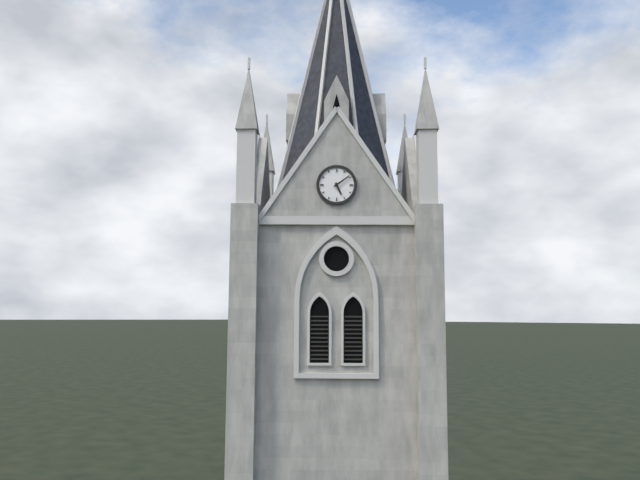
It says 5:09
